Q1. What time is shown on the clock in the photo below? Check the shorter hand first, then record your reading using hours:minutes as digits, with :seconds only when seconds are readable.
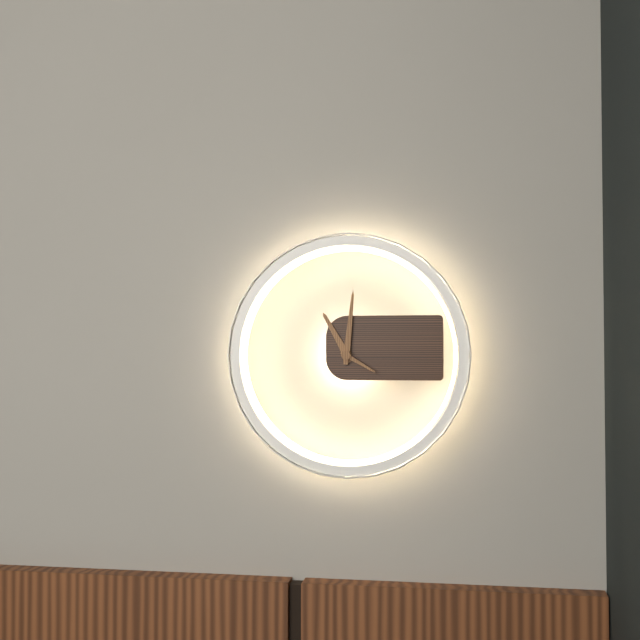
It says 11:01
